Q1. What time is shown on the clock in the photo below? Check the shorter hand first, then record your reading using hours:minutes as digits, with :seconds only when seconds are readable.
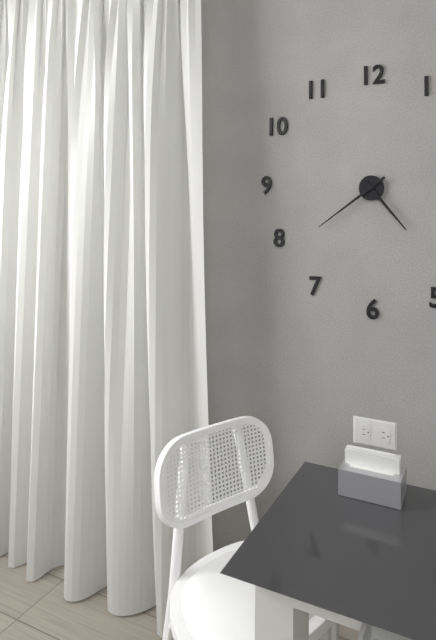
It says 4:39
